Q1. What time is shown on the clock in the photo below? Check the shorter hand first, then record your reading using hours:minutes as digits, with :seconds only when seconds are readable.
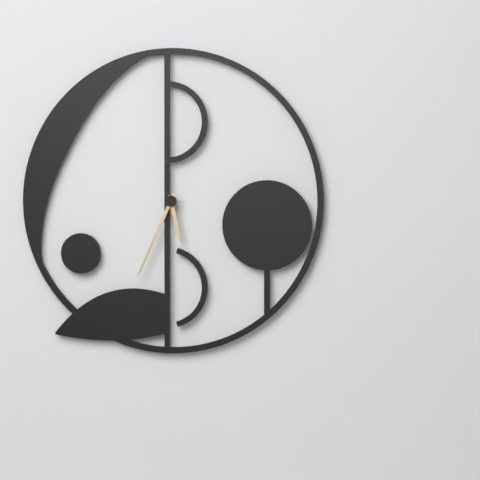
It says 5:34
